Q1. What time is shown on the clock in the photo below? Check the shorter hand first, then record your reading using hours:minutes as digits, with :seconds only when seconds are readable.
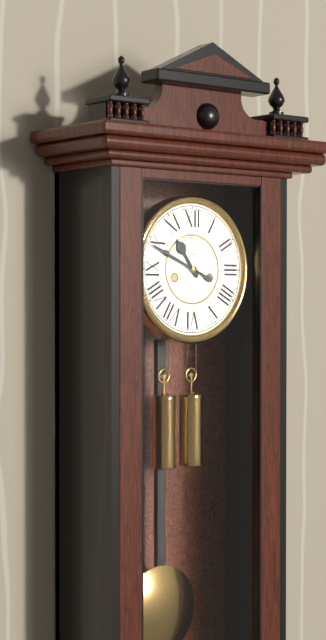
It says 10:49
